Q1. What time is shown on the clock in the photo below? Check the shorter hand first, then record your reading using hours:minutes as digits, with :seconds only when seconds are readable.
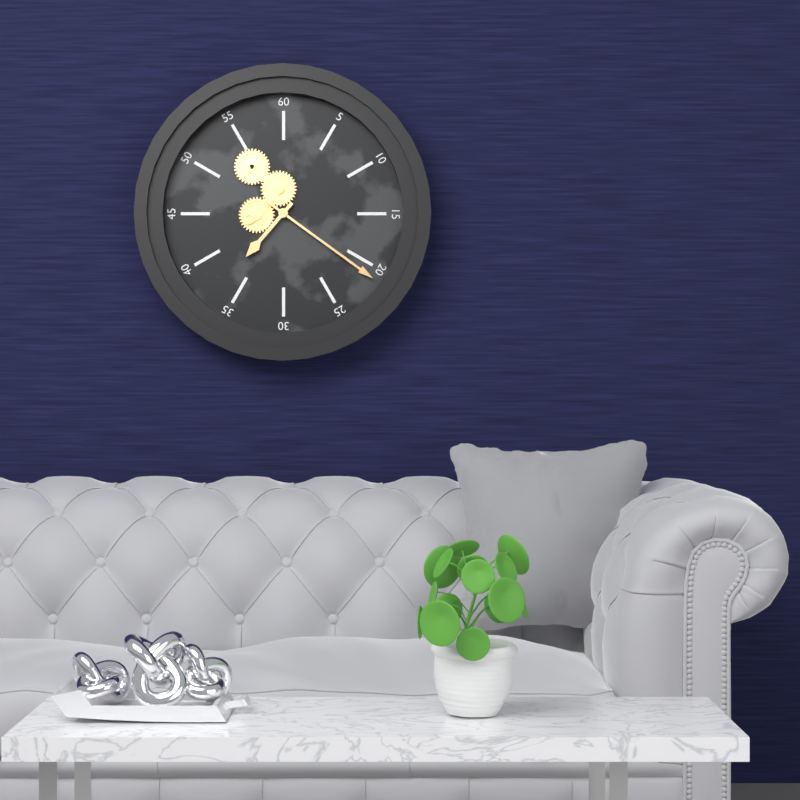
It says 7:21
